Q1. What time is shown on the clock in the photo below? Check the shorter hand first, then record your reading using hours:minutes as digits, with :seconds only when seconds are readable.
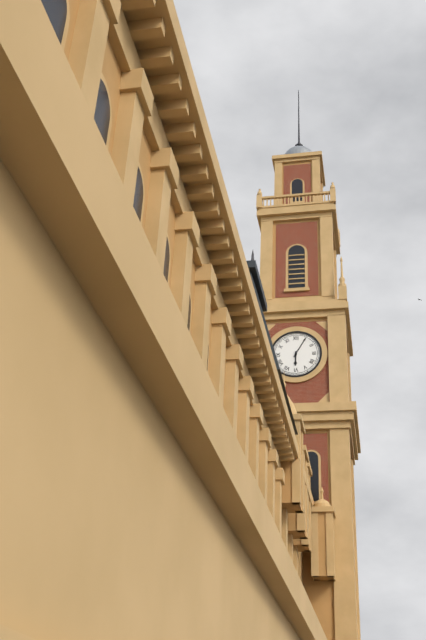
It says 6:05
